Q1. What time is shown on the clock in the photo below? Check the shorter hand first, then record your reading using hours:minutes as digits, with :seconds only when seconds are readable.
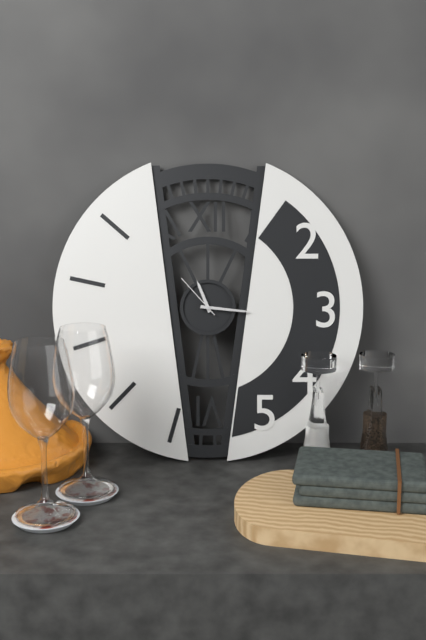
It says 11:16
